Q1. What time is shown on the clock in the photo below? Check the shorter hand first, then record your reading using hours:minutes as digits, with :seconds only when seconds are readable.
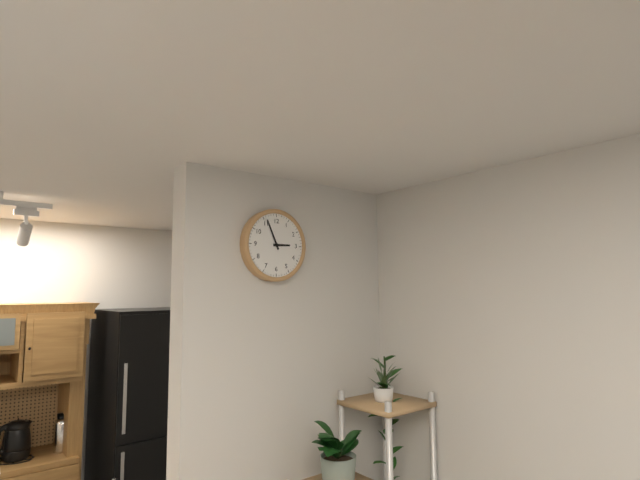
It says 2:56
